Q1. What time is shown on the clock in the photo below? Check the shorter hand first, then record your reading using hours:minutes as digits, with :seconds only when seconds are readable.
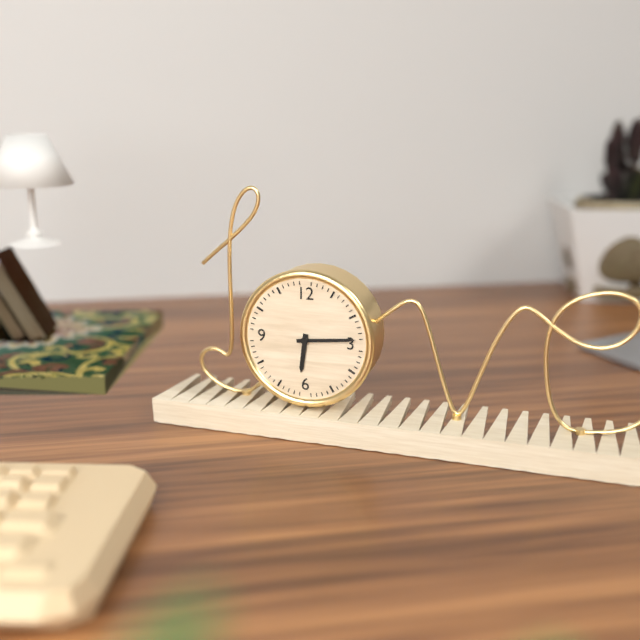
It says 6:14
